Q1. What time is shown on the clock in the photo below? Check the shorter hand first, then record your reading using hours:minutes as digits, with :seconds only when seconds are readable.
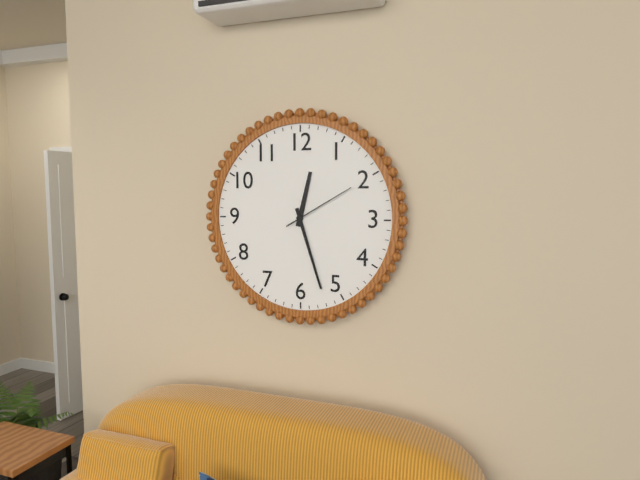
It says 12:27:10
